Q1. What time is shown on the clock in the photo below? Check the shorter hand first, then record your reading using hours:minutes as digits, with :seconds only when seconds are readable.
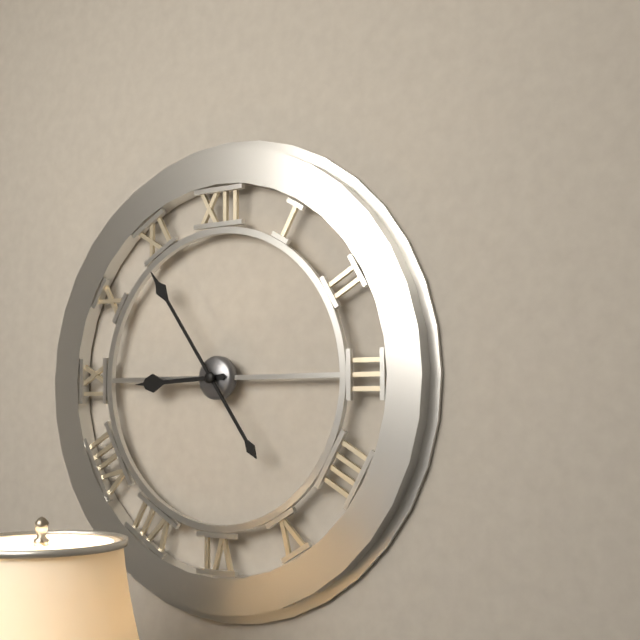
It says 8:54
